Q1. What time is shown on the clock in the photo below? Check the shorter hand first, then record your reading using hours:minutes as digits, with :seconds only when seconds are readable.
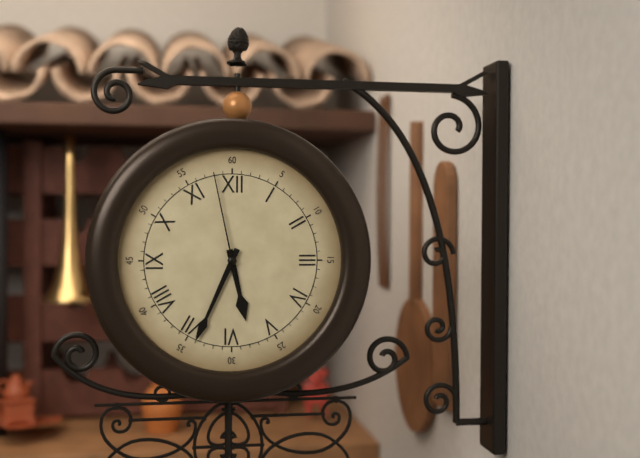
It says 5:34:58
